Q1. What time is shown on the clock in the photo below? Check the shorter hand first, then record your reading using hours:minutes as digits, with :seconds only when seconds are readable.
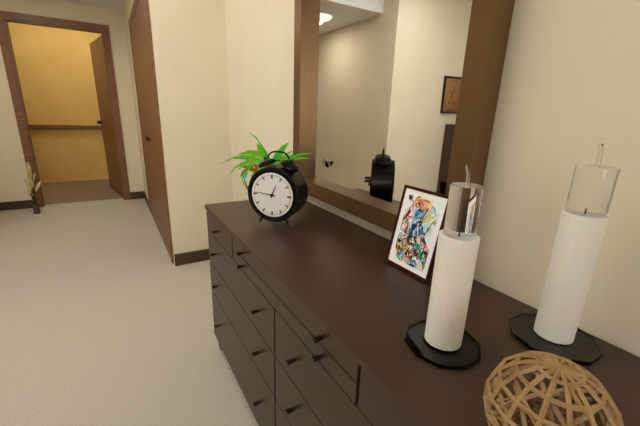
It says 12:46
